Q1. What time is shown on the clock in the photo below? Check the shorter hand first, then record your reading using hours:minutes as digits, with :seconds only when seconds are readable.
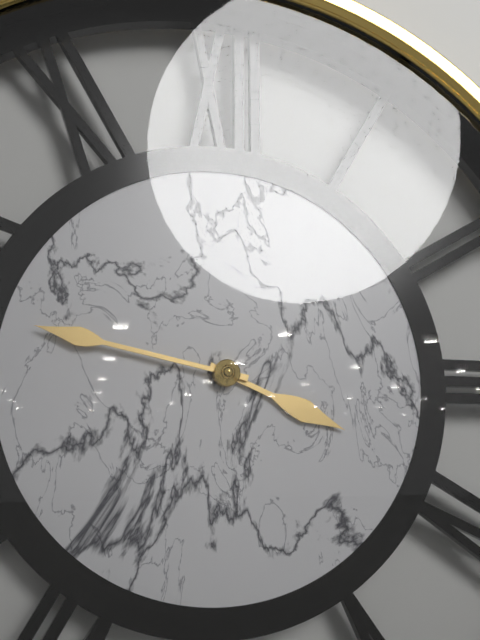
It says 3:47
